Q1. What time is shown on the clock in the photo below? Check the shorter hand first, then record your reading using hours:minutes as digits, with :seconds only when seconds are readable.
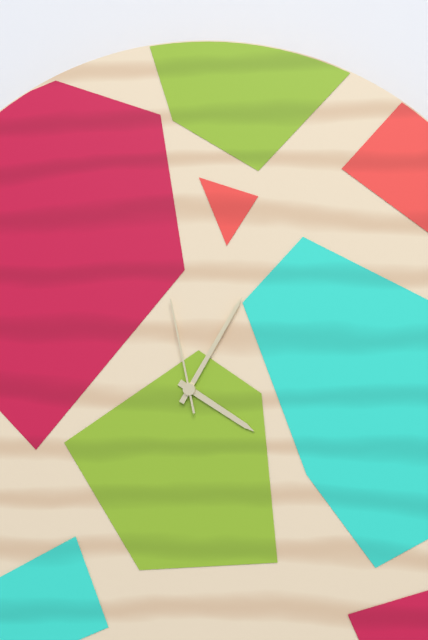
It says 4:05:58
